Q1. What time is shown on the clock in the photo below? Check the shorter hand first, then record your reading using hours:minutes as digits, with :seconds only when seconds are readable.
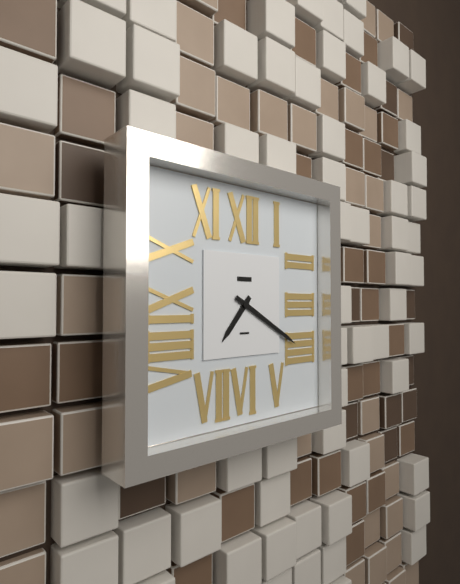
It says 7:20
